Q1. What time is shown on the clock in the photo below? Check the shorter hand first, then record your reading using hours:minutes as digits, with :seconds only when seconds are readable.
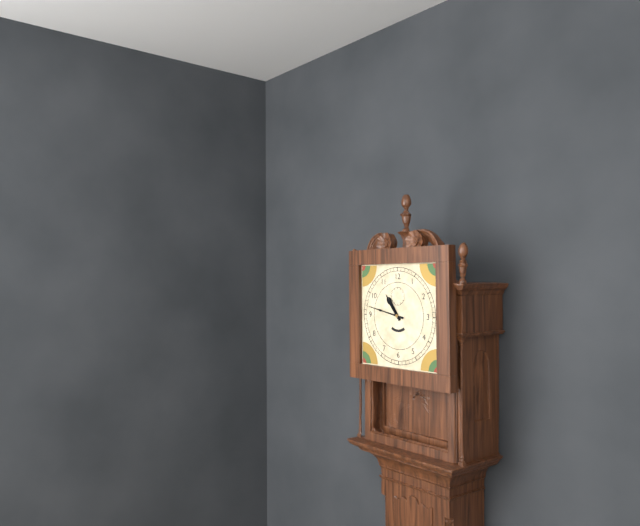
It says 10:47
